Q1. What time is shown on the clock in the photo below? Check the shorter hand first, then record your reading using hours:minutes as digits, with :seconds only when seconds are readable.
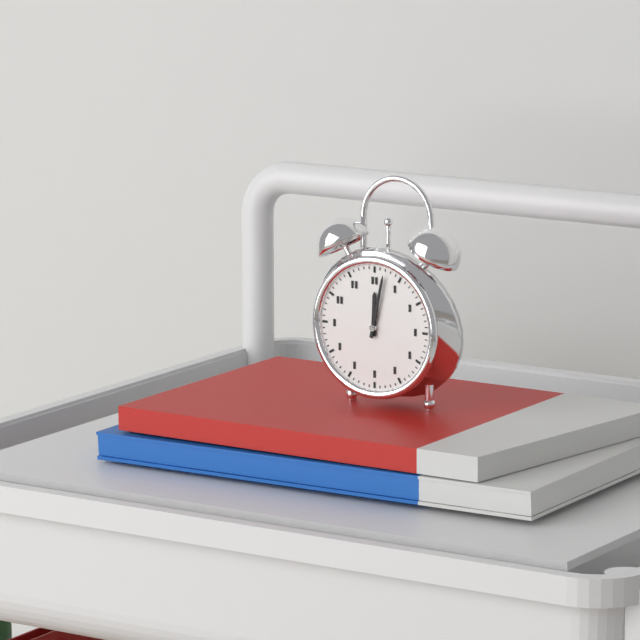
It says 12:02
